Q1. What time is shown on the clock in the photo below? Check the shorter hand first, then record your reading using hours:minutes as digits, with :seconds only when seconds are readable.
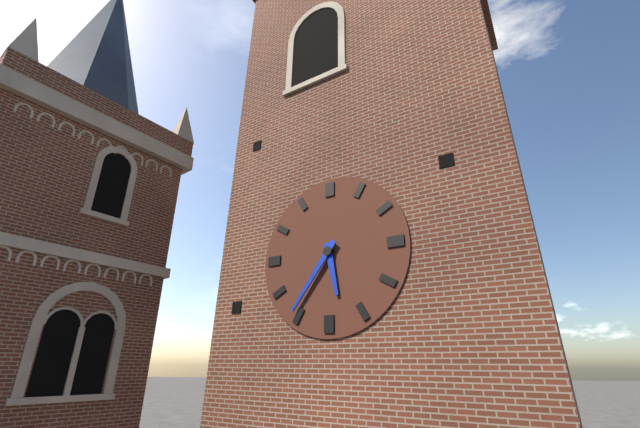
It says 5:36
